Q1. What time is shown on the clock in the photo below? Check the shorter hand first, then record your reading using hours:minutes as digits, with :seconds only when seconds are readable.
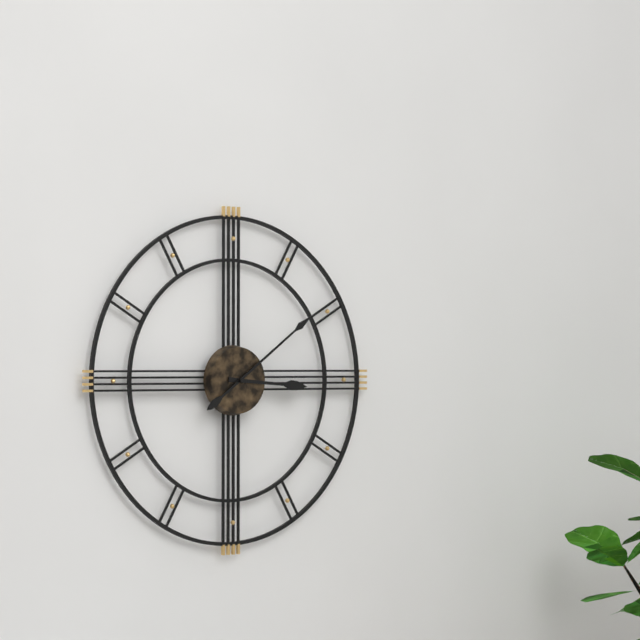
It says 3:09
